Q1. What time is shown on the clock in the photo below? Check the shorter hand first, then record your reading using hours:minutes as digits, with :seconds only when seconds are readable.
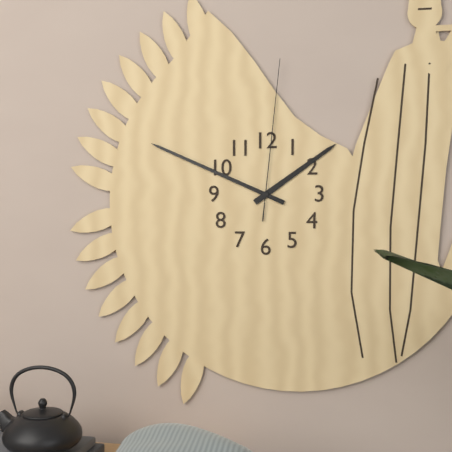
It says 1:49:01
